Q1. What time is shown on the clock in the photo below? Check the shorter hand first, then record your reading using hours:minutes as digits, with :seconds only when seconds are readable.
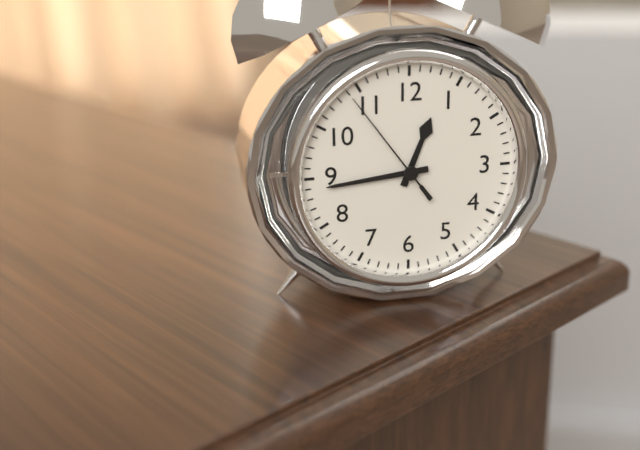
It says 12:44:54
